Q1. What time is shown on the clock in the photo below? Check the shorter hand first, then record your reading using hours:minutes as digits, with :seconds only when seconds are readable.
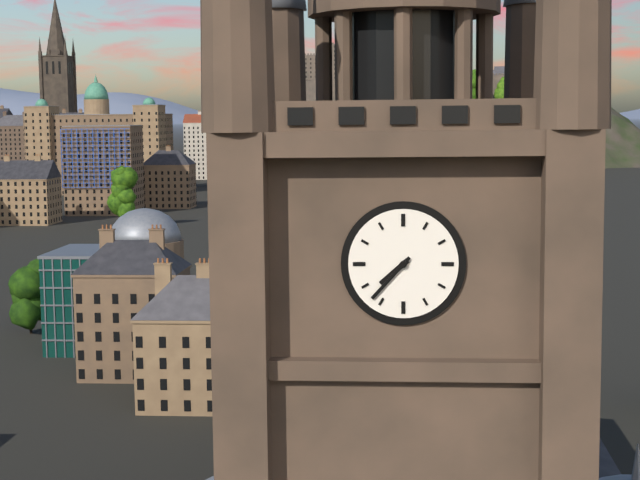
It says 7:37
